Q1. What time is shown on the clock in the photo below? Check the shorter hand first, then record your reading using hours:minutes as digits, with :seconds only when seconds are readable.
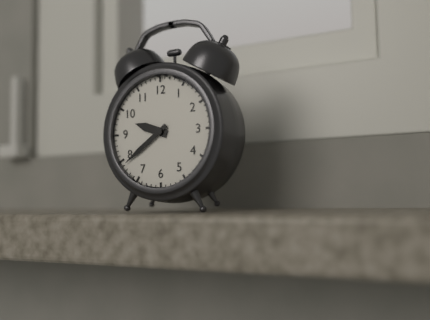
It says 9:39
